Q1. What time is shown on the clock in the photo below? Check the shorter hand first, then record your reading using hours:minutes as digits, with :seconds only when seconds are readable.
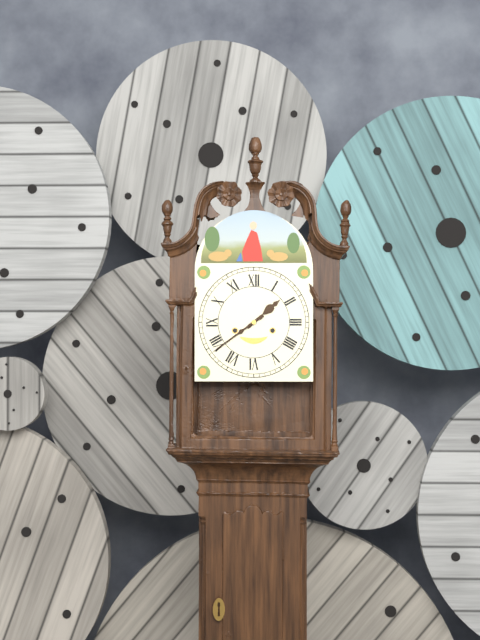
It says 1:39
